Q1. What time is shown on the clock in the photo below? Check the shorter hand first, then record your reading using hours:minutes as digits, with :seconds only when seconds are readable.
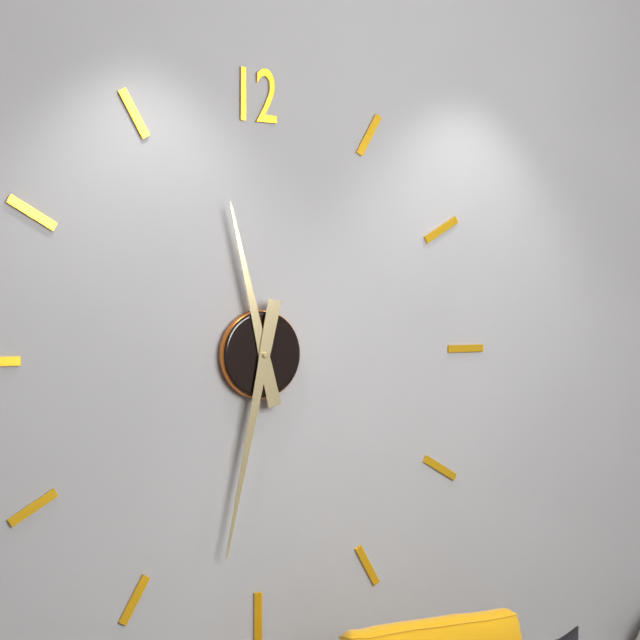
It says 11:32
